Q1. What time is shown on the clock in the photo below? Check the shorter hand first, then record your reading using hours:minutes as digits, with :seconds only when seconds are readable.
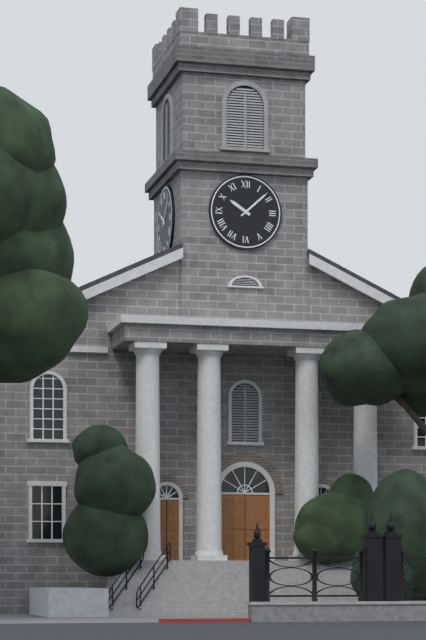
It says 10:08
